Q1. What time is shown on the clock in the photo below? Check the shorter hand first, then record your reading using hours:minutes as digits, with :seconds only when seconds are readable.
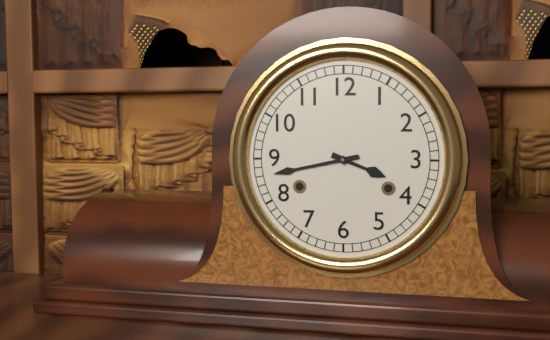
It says 3:43
